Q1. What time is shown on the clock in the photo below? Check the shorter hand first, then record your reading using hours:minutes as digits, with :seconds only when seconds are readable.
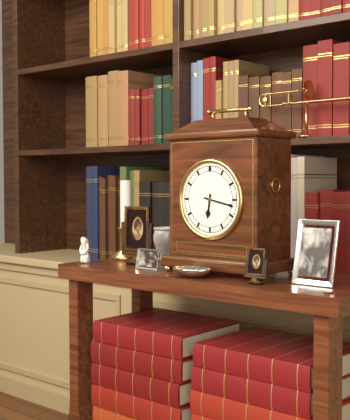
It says 6:17
